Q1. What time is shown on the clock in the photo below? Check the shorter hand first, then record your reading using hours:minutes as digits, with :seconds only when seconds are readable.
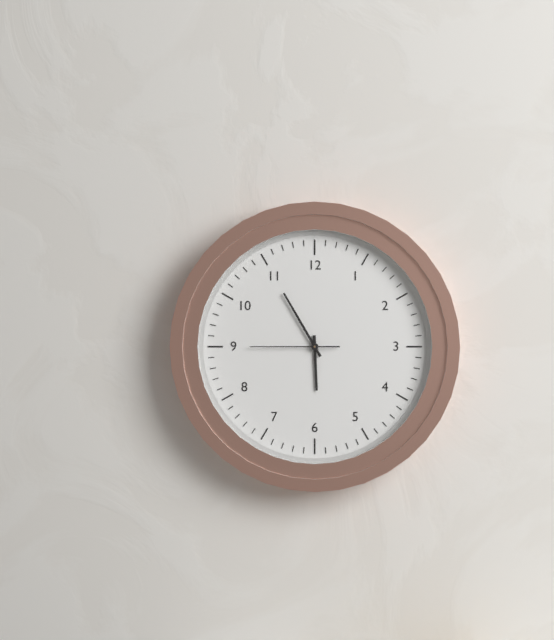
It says 5:55:45
